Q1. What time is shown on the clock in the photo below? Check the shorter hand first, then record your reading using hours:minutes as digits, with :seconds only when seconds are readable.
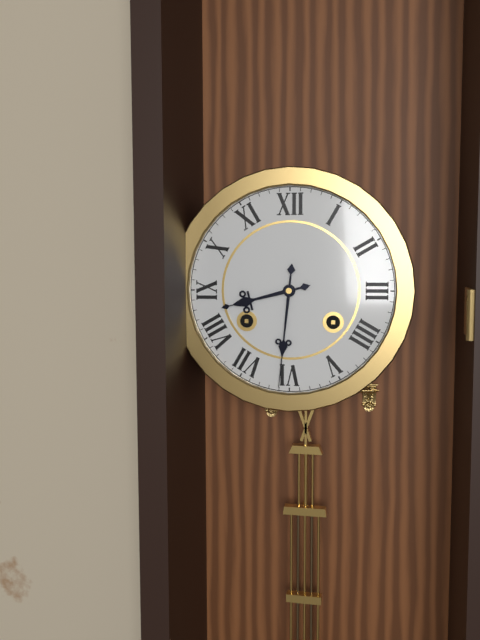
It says 8:31
